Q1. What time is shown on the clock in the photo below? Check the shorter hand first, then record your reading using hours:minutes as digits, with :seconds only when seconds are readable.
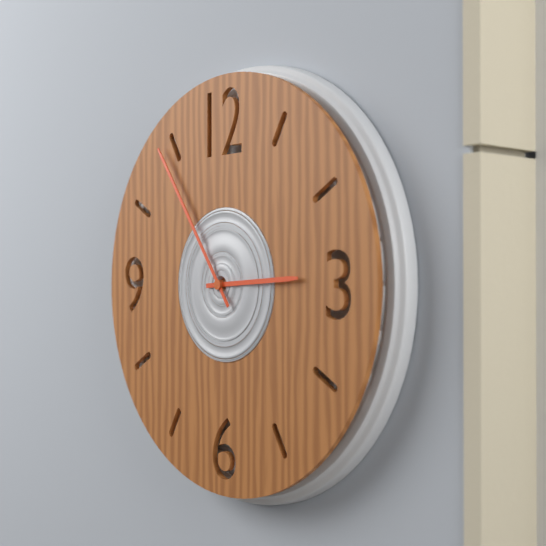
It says 2:54
